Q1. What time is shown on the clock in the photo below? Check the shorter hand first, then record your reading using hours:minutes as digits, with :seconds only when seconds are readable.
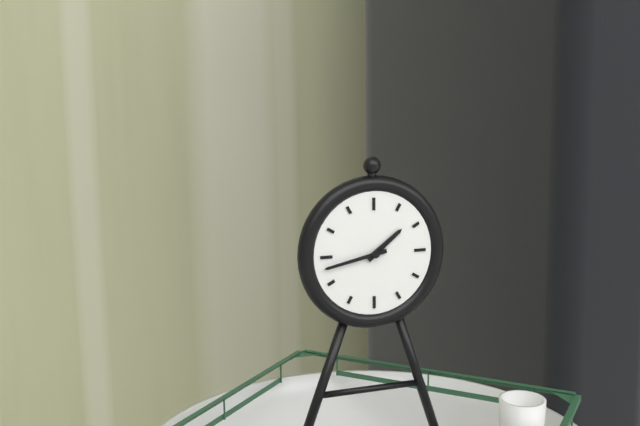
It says 1:43
